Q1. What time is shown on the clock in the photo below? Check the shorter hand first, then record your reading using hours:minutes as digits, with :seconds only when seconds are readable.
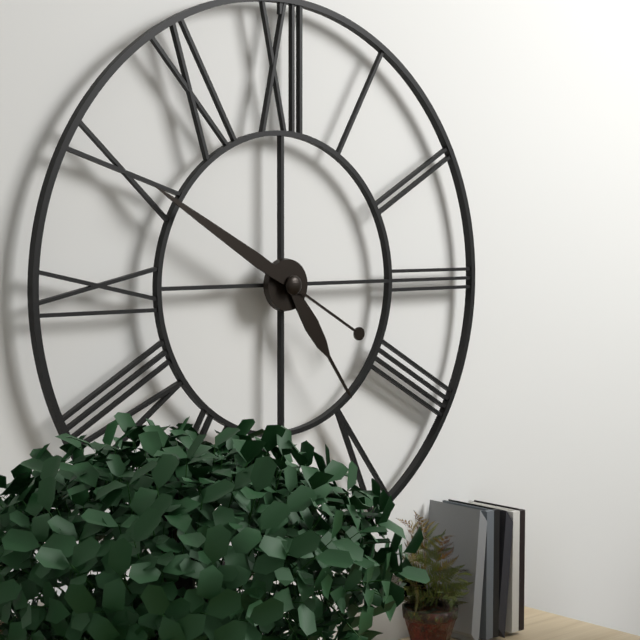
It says 4:50
